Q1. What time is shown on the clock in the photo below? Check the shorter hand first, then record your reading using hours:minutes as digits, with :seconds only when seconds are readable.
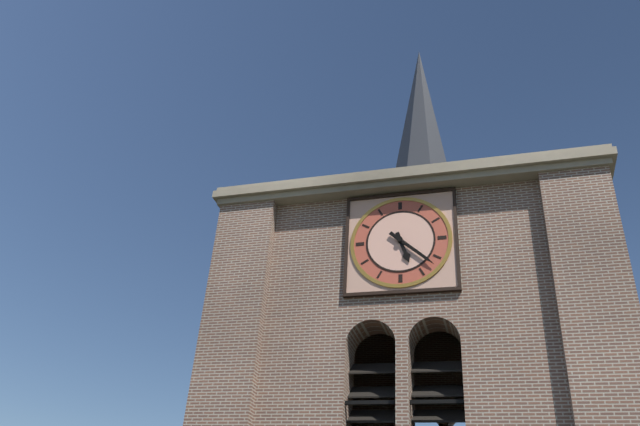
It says 5:22
